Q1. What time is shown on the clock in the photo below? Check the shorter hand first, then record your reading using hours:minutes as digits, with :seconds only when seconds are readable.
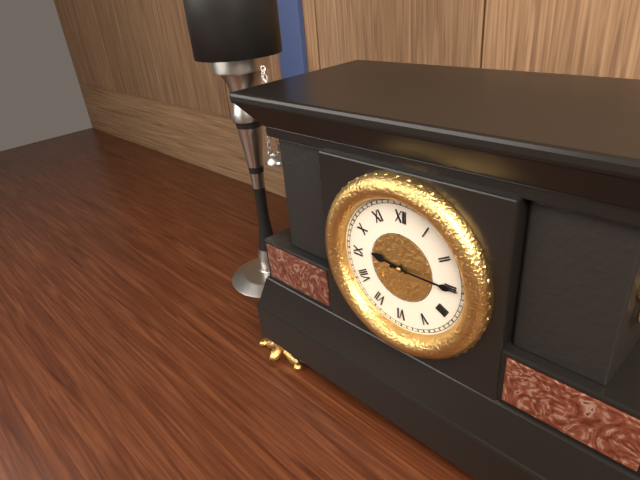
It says 9:15
